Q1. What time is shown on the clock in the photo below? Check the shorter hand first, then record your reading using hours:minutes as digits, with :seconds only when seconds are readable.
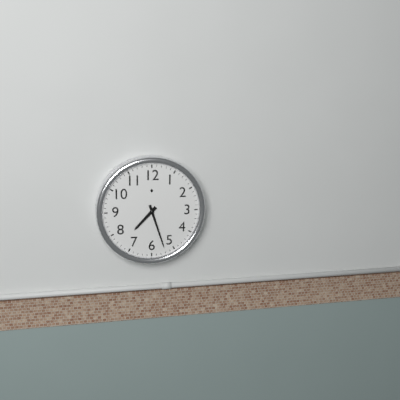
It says 7:27
